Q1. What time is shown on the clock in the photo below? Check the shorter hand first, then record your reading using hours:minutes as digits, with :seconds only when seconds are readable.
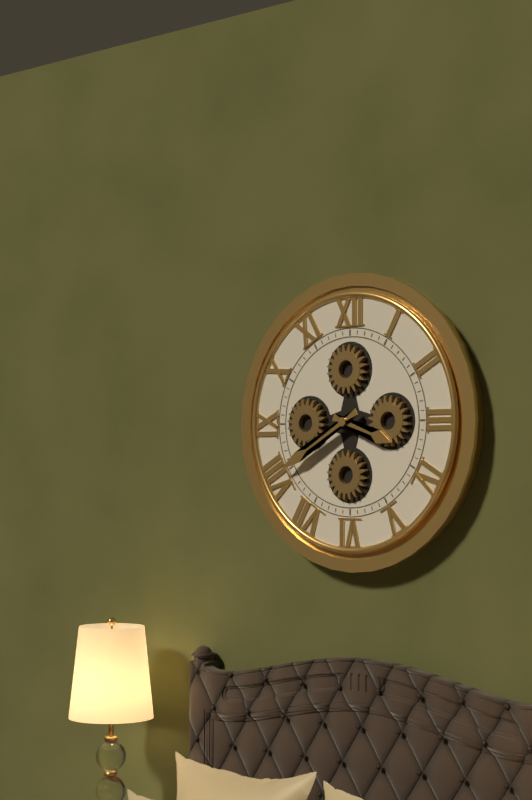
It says 3:40
